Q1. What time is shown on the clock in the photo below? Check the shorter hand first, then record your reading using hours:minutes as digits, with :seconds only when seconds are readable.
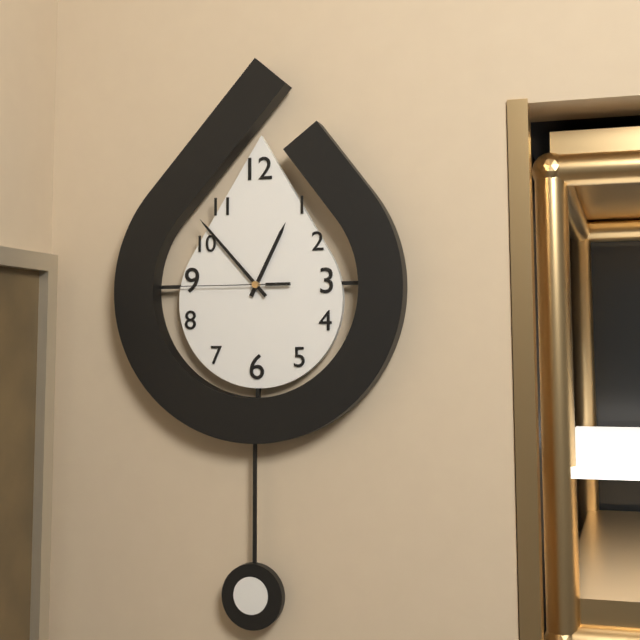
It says 12:53:45
